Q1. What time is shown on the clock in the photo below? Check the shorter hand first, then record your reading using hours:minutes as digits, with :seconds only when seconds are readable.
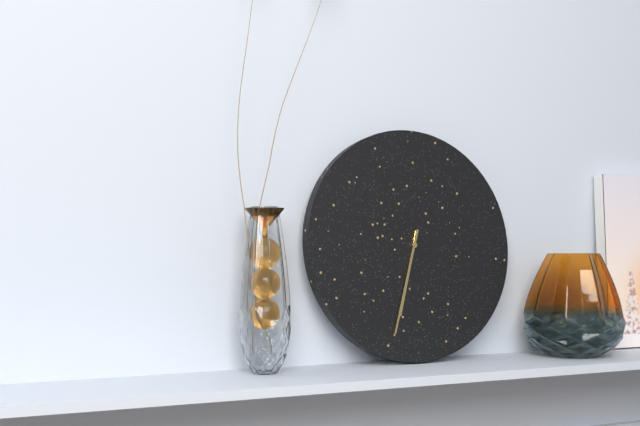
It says 6:33
